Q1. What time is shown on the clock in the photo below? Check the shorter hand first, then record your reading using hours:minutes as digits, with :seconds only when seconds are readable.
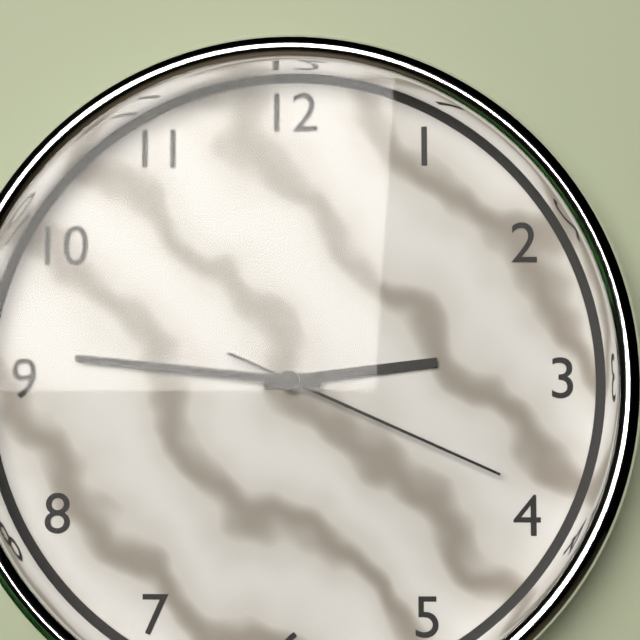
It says 2:46:19
